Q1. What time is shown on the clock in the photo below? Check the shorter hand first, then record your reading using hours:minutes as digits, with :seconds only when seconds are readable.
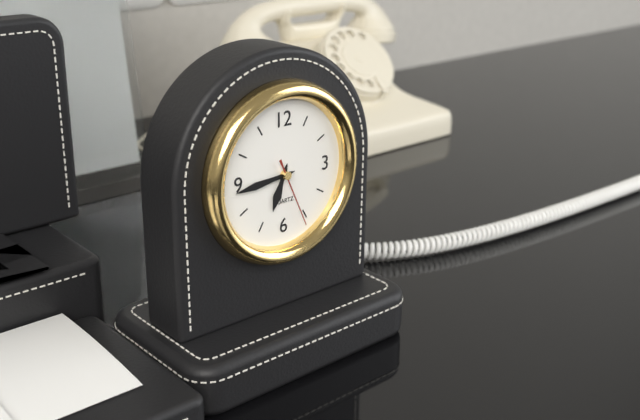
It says 6:44:26
